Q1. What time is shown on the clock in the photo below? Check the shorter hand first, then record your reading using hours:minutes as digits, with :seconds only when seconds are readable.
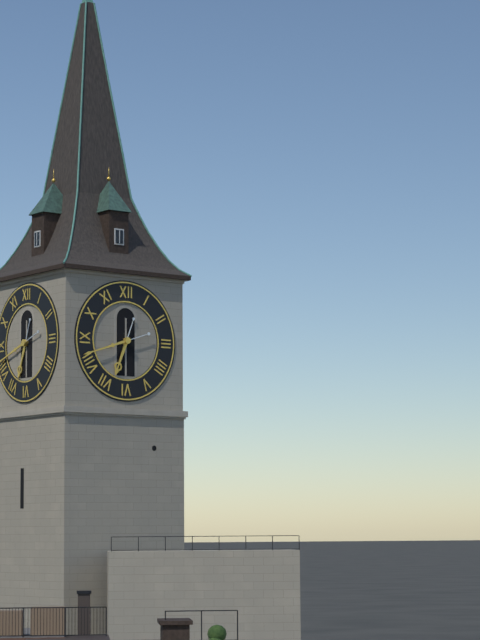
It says 6:42
